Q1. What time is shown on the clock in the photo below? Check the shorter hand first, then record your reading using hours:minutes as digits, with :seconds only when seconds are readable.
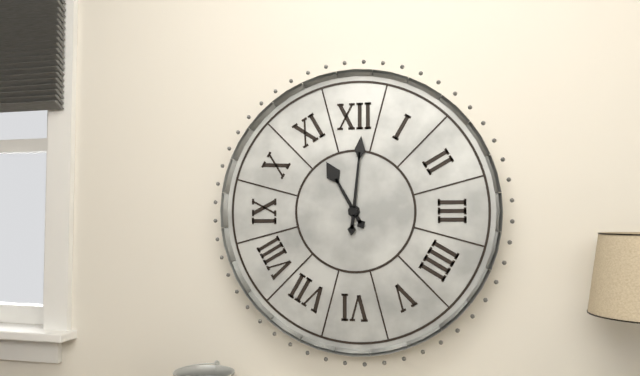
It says 11:01
